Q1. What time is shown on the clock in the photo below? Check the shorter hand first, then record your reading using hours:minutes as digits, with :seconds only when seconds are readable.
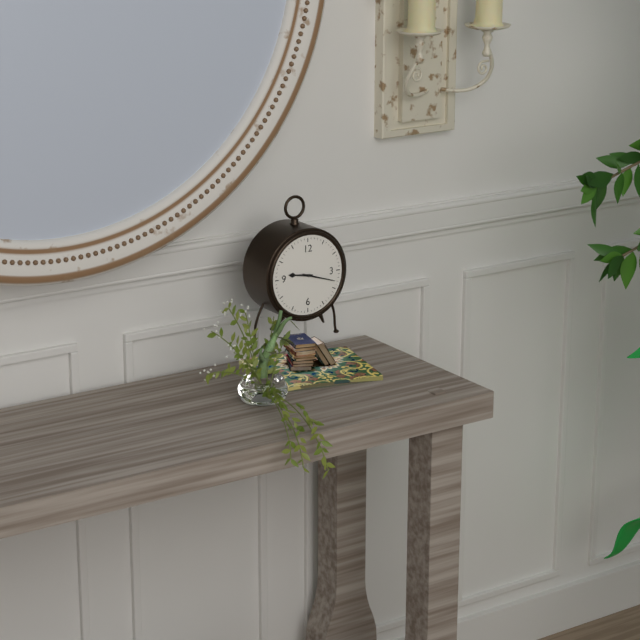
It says 9:18
